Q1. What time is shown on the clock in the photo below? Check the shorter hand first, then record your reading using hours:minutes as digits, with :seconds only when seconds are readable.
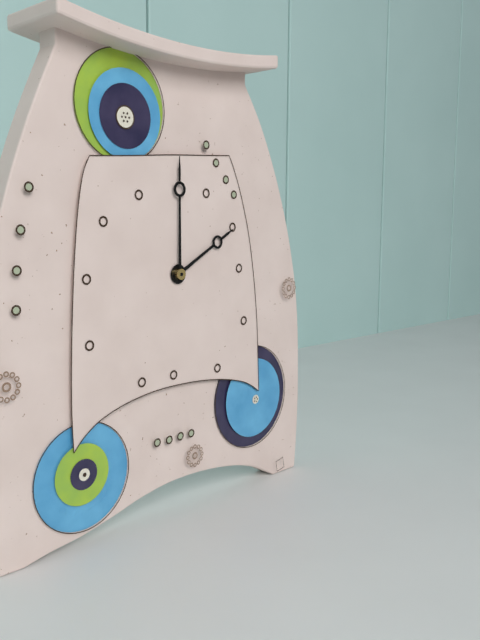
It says 2:00
